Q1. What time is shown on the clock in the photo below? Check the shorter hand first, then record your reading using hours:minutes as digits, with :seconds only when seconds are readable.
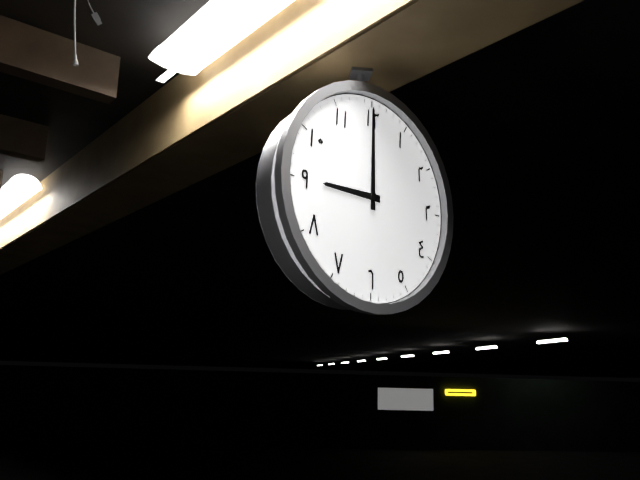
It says 9:00
